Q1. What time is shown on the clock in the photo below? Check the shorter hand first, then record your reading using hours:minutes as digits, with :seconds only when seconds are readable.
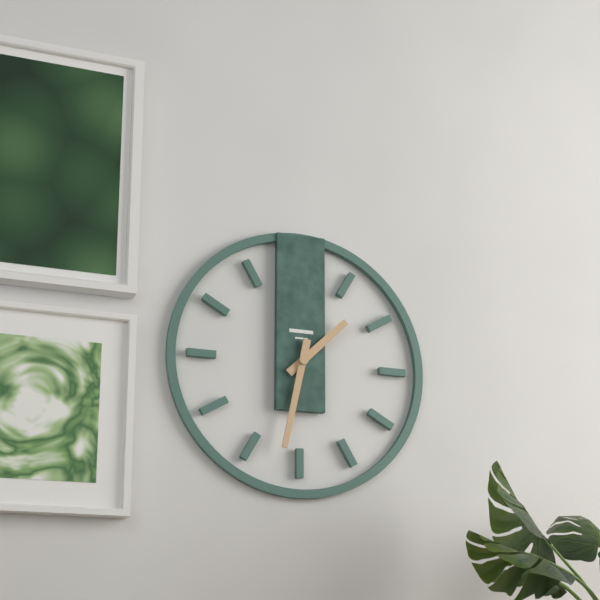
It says 1:32
